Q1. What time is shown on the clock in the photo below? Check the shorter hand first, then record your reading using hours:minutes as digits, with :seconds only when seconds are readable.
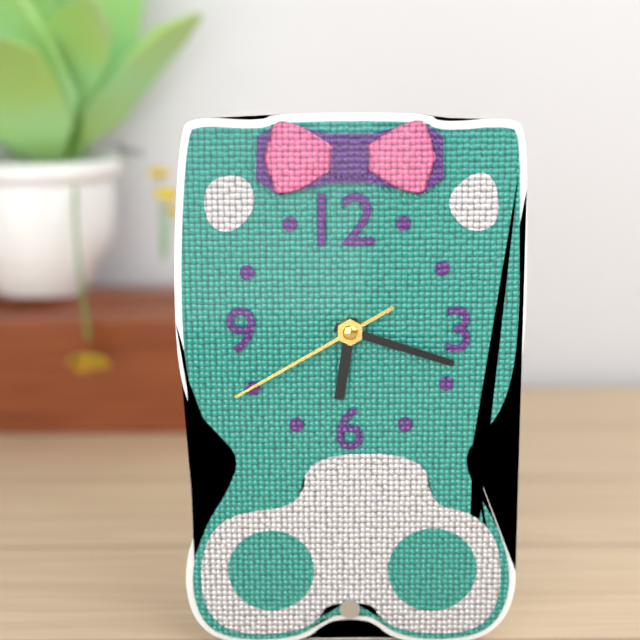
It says 6:18:40
